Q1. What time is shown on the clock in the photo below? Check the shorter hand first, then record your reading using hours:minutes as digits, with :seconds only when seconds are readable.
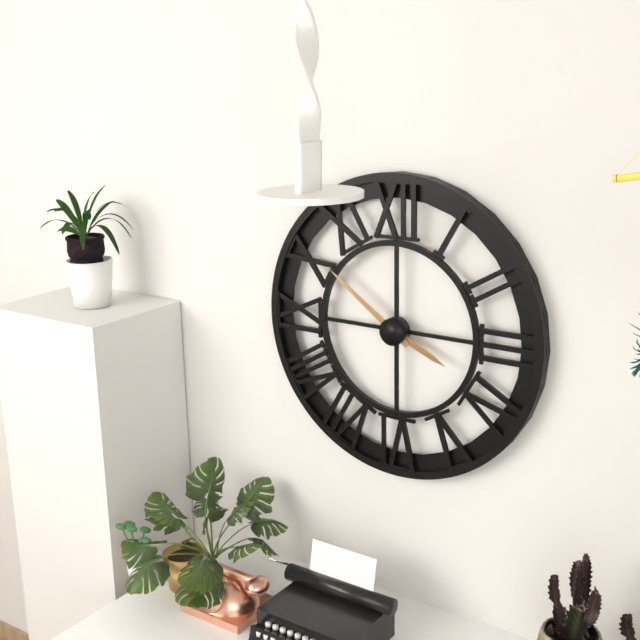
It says 3:51
